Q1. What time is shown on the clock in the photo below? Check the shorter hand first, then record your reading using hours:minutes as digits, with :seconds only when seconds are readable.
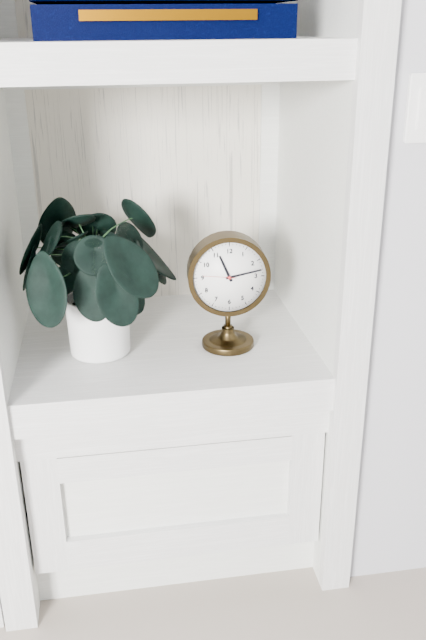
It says 11:13
